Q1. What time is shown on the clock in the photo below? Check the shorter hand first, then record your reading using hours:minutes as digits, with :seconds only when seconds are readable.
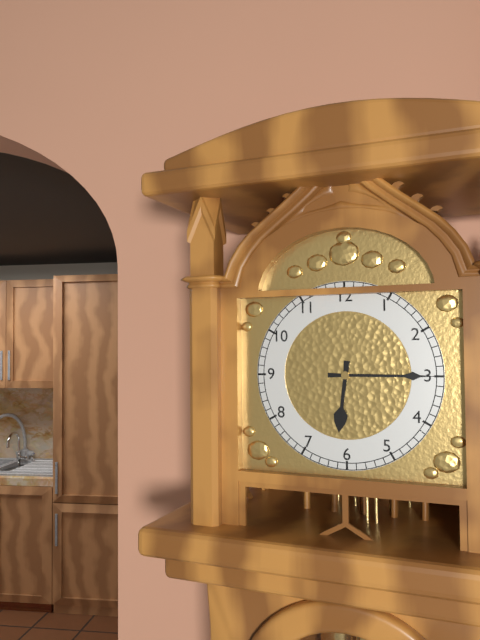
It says 6:15
